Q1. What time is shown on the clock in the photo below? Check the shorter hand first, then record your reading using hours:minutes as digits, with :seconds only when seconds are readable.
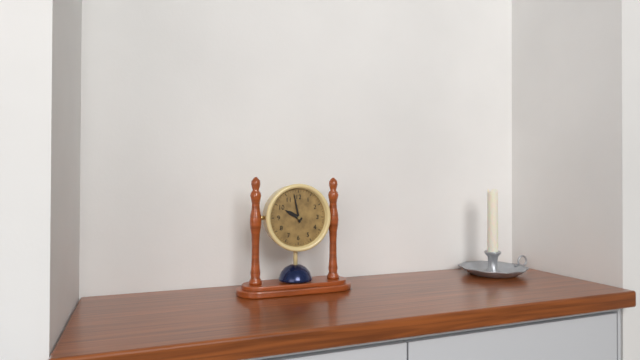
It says 9:58
